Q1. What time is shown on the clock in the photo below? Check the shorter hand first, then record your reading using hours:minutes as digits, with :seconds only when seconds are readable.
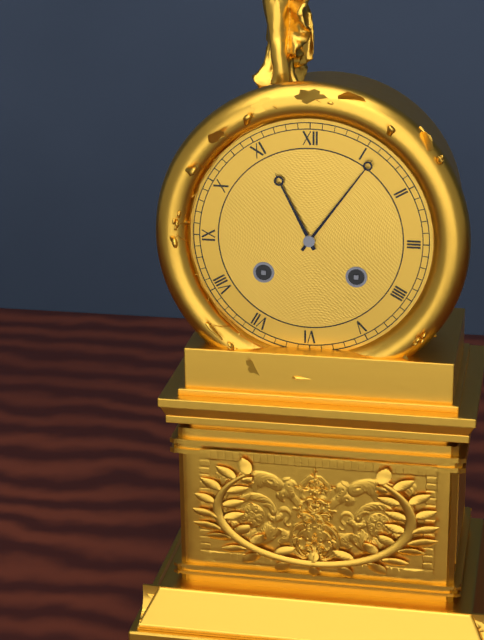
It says 11:06
